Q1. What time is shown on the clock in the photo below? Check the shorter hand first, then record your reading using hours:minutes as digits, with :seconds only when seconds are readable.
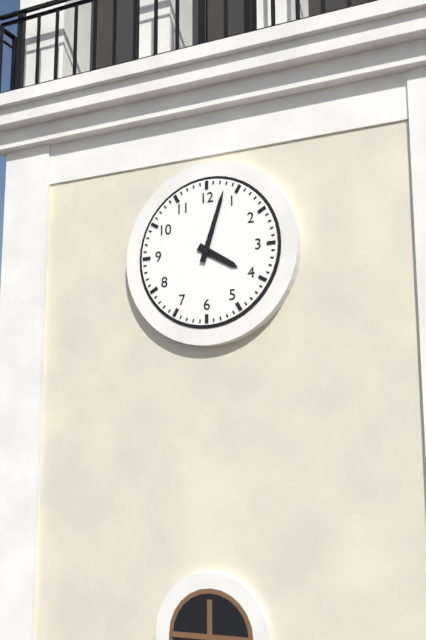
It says 4:03
